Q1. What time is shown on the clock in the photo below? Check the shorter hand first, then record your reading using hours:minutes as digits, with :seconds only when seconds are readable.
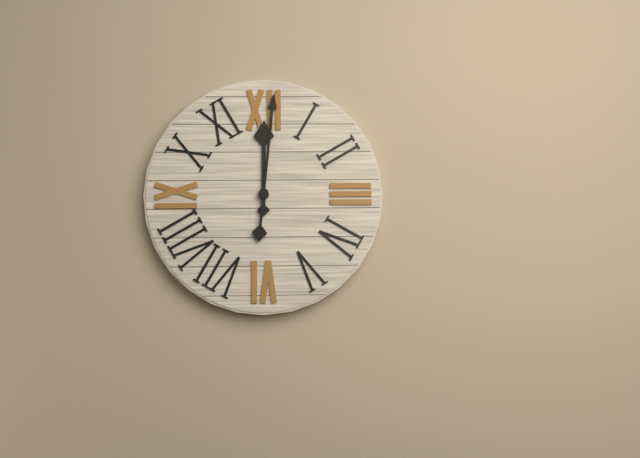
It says 12:01
